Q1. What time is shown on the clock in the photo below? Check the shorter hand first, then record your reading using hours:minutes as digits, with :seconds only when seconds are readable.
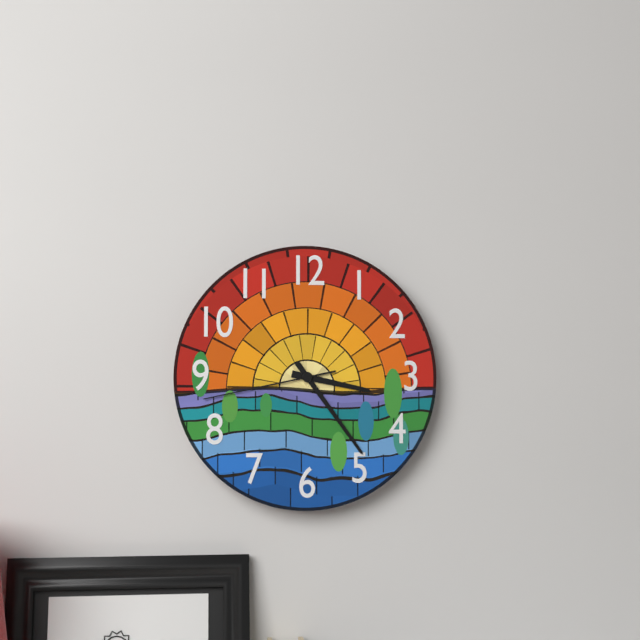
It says 3:24:43
